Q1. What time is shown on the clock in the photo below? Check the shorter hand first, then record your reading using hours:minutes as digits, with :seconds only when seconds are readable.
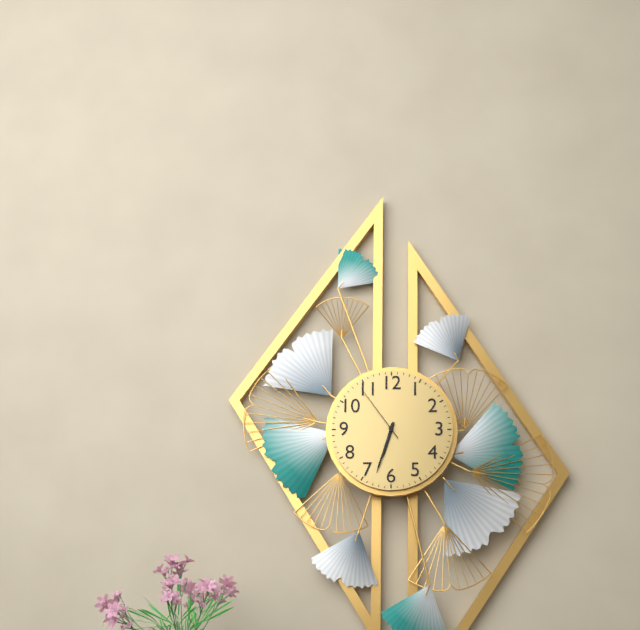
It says 6:33:54
